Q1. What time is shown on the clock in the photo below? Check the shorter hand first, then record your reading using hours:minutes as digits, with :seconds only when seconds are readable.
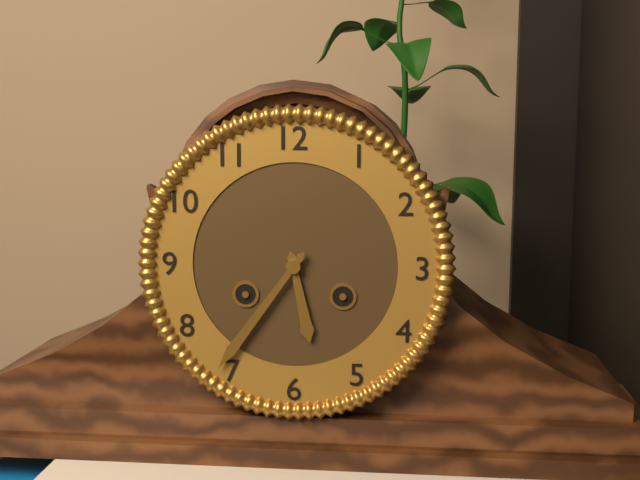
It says 5:36
